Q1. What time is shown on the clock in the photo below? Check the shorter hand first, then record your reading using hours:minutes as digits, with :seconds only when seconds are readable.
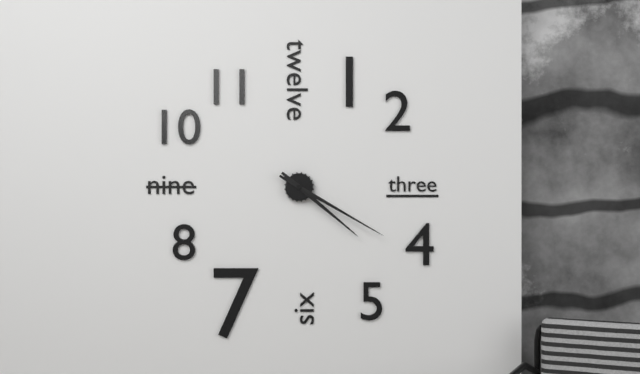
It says 4:20
